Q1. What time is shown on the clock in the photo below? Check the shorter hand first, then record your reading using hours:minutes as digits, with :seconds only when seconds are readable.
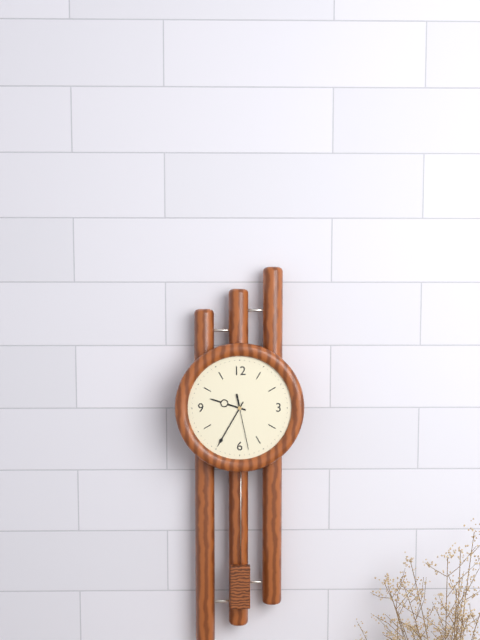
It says 9:35:28
